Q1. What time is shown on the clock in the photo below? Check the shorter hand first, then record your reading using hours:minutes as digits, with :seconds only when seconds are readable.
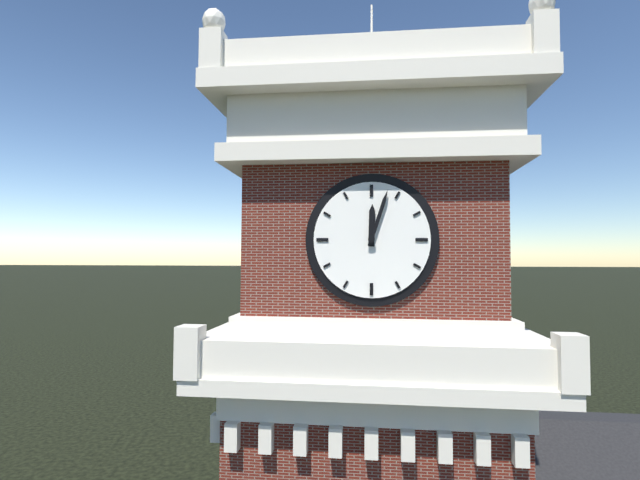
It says 12:03
